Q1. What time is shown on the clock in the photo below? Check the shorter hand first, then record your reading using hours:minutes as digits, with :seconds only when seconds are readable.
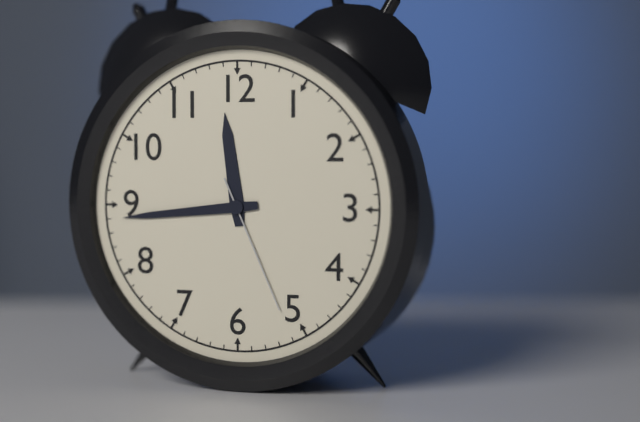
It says 11:44:26
